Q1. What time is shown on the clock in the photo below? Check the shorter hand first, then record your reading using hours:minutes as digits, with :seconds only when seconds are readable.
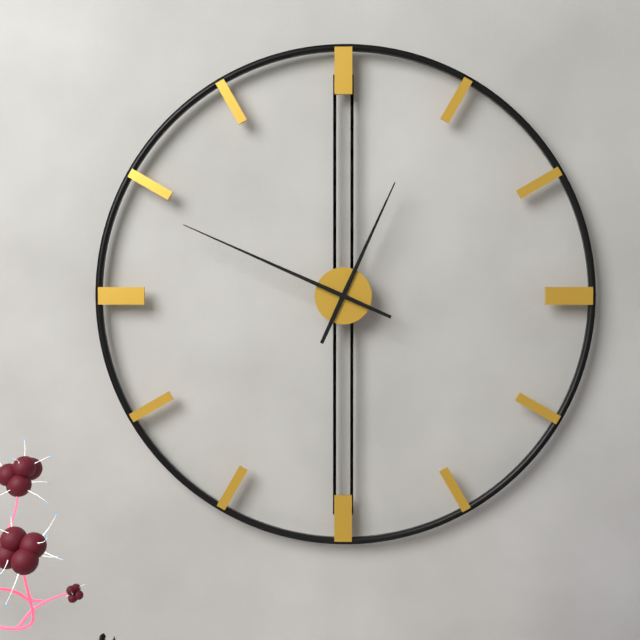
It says 12:49
